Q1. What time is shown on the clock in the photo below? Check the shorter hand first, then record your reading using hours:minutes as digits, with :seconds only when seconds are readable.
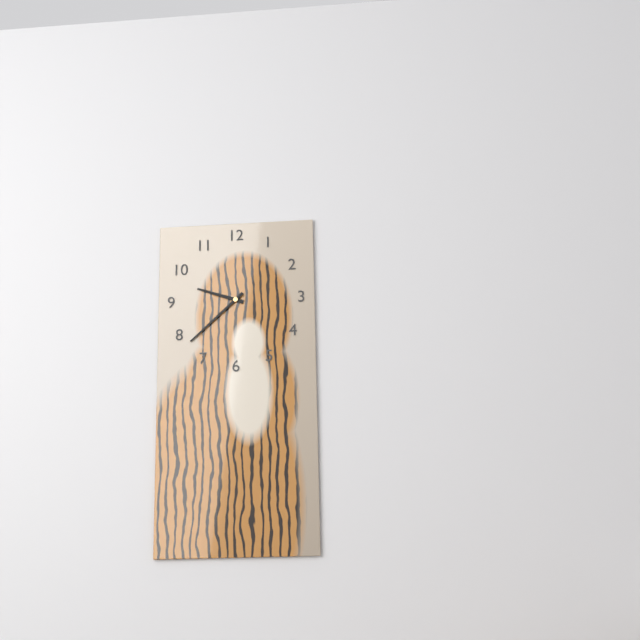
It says 9:38
